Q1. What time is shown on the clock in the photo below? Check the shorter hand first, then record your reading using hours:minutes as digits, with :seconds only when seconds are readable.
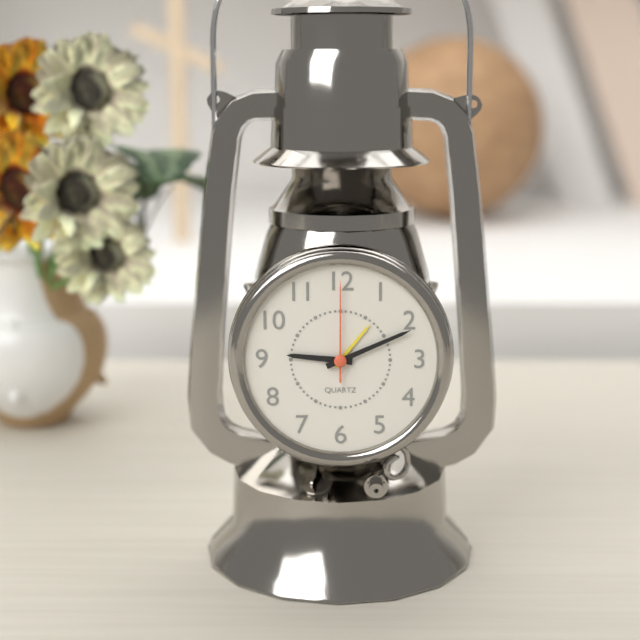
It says 9:11:00
